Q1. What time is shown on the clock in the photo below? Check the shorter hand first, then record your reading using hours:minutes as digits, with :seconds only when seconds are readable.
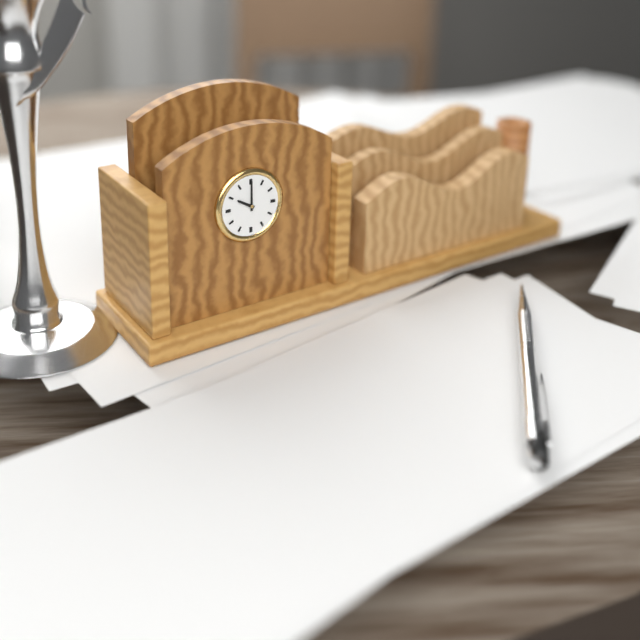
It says 10:00
